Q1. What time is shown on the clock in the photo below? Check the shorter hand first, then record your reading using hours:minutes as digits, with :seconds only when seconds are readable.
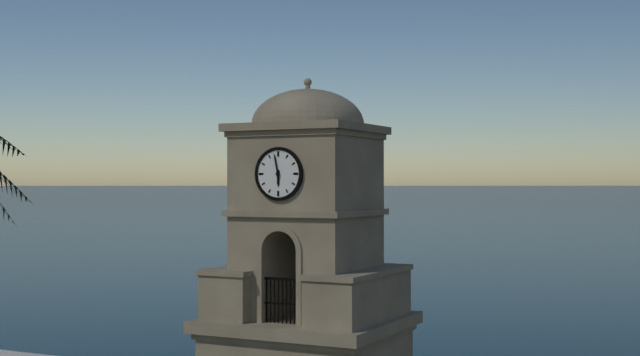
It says 5:58
